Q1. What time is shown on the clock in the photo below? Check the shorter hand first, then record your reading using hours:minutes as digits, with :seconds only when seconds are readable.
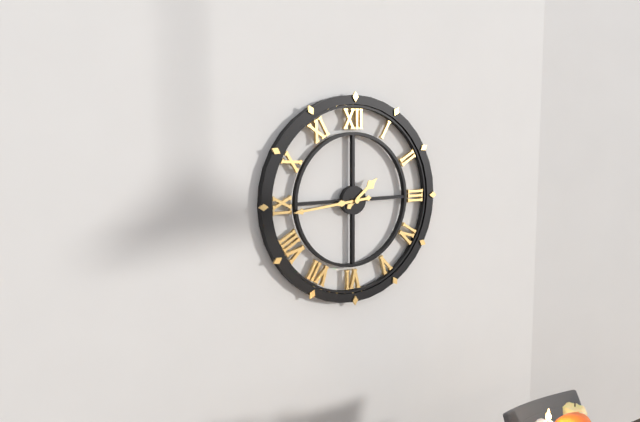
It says 1:44
